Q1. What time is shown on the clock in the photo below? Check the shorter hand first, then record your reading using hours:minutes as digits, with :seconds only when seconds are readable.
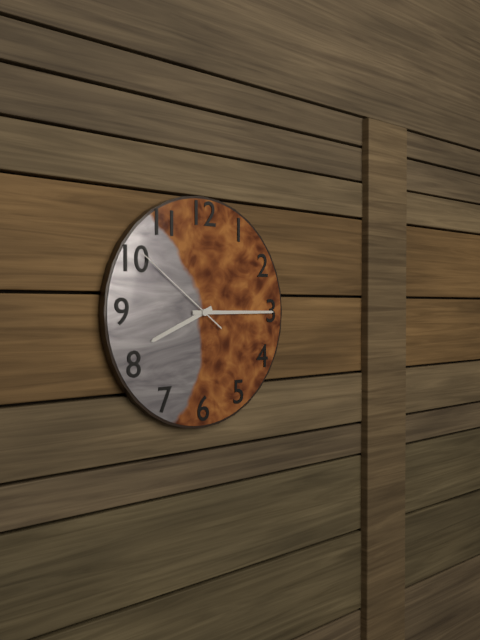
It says 8:15:51
